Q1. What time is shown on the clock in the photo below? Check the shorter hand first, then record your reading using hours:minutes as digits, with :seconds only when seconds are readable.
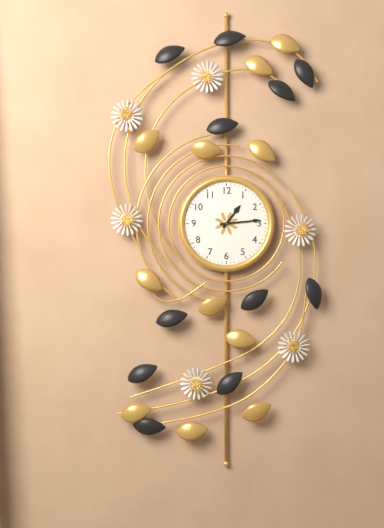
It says 1:14
